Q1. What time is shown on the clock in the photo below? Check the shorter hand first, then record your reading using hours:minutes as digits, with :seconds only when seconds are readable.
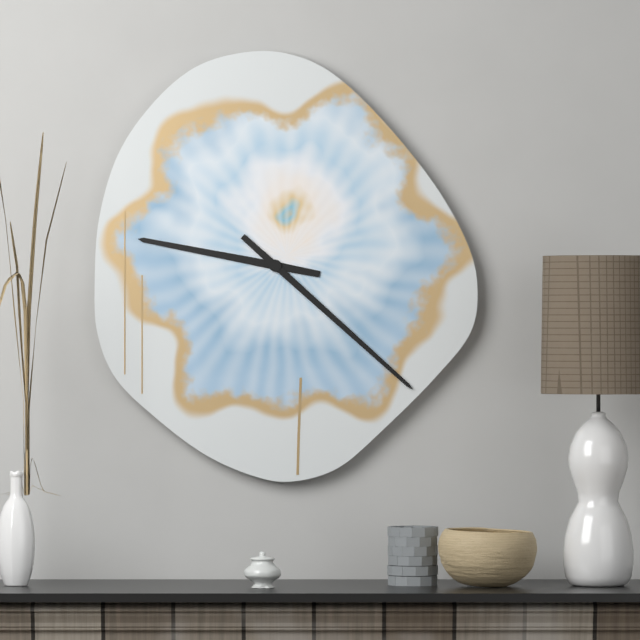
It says 9:22
